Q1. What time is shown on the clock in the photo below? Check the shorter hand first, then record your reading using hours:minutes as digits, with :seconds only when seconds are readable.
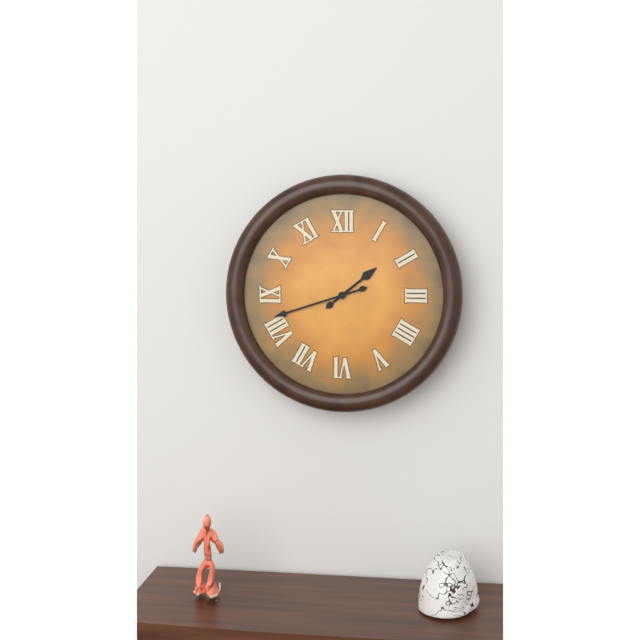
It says 1:42
